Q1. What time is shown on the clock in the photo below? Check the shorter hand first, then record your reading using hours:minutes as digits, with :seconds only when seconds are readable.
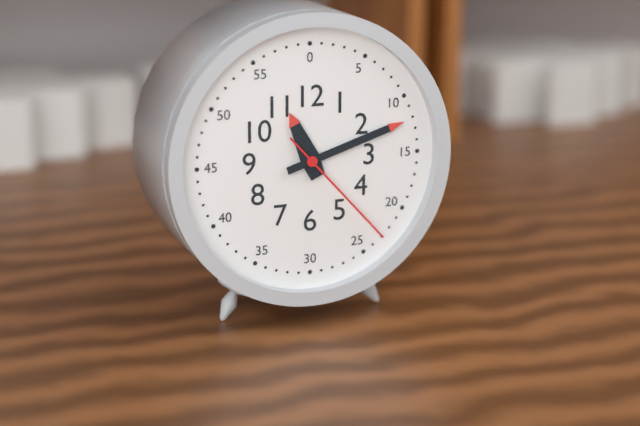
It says 11:12:23
